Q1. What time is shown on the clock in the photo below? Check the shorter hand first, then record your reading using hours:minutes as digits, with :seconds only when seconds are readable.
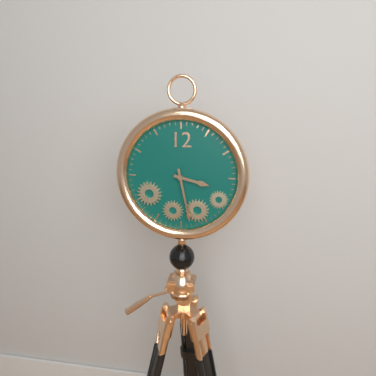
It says 3:28
